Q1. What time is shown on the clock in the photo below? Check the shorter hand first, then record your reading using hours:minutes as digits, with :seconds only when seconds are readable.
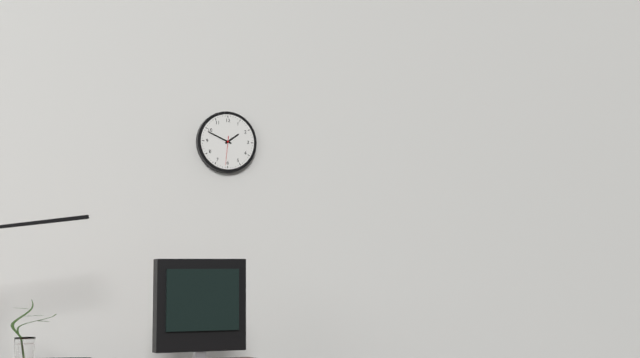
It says 1:49
